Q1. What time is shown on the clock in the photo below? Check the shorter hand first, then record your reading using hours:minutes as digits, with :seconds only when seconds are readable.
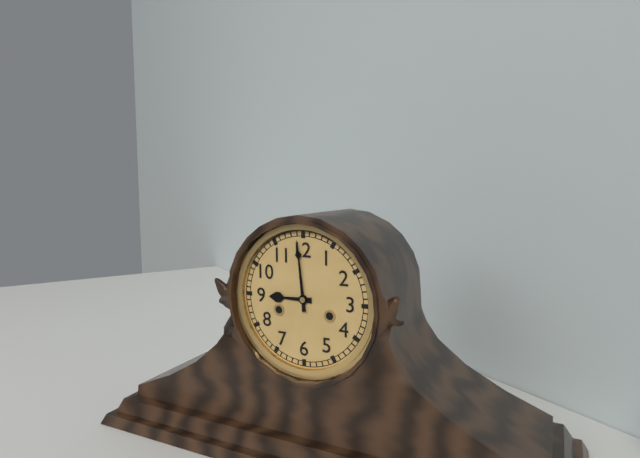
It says 8:59
